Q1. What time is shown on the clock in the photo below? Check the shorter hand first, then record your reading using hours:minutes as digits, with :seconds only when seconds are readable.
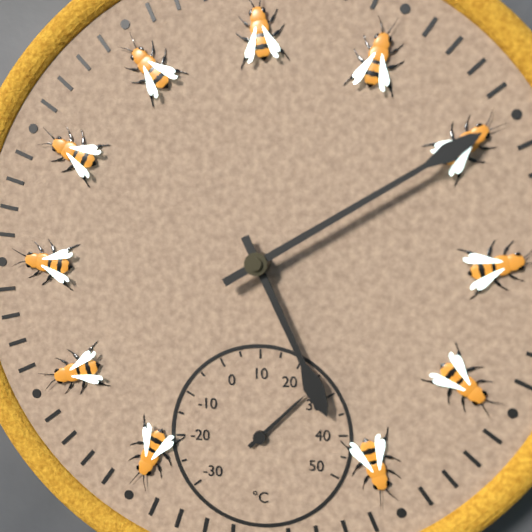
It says 5:10
